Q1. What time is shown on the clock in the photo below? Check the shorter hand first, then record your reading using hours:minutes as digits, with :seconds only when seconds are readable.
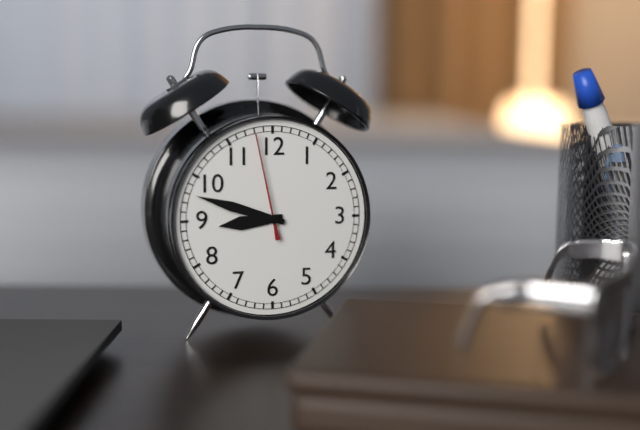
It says 8:48:58
